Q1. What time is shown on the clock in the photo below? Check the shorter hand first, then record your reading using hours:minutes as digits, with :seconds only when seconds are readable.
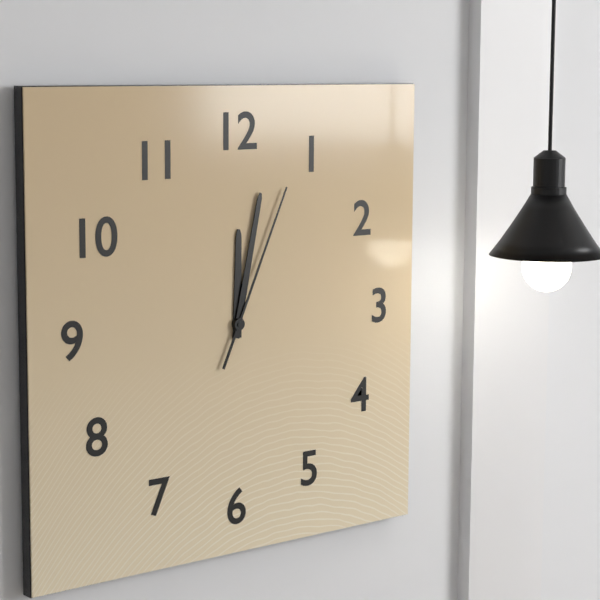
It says 12:02:04
